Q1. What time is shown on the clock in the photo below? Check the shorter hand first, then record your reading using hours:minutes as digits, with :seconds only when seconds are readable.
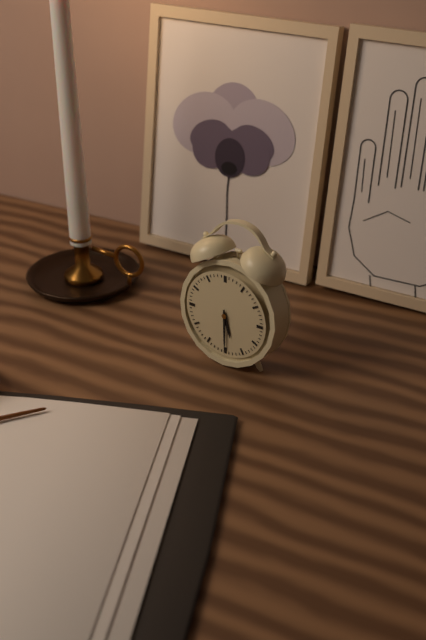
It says 5:30
